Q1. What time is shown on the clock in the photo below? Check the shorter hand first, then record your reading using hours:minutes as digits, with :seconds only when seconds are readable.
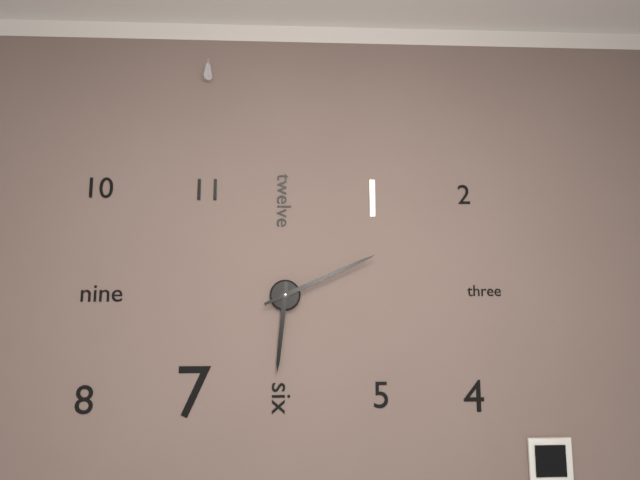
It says 6:11
